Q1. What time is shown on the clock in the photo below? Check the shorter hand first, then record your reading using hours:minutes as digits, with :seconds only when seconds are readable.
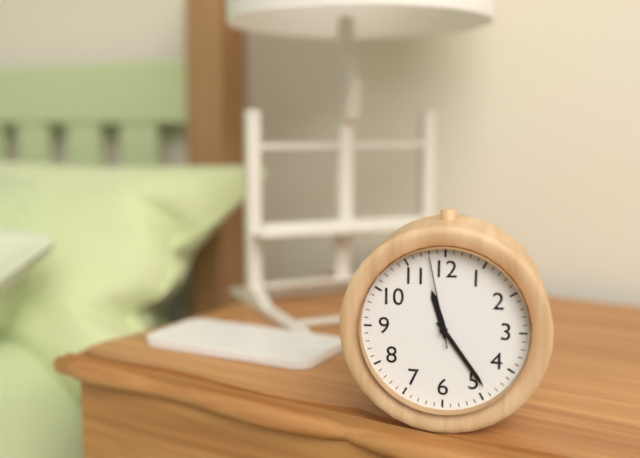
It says 11:24:58
